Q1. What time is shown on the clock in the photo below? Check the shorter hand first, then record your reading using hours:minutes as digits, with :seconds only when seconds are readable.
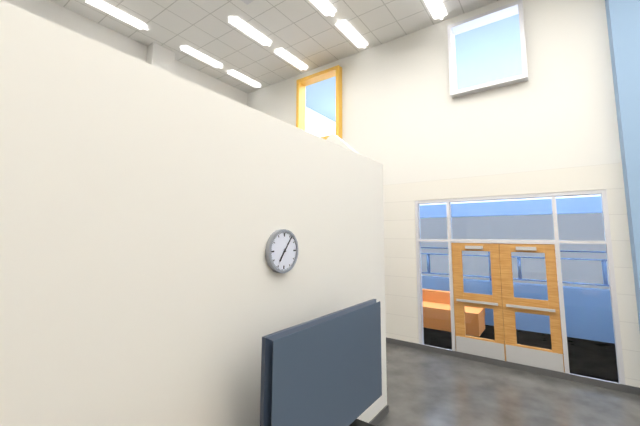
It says 7:06
